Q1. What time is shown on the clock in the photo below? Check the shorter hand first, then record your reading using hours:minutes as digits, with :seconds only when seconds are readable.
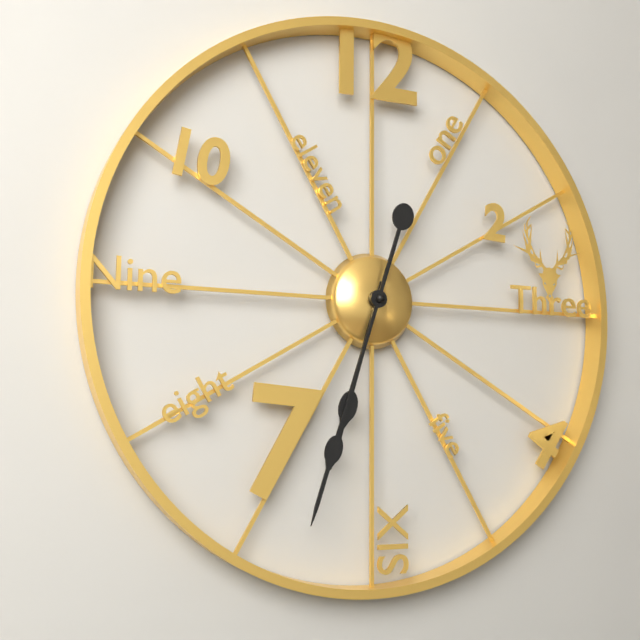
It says 6:33
